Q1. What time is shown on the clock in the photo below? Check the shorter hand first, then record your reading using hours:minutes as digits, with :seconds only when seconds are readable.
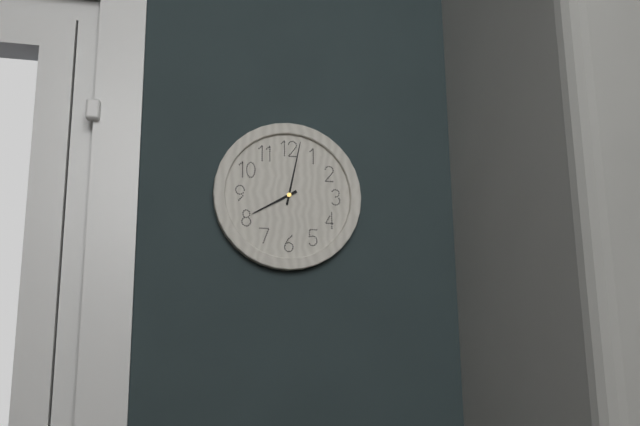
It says 8:02
